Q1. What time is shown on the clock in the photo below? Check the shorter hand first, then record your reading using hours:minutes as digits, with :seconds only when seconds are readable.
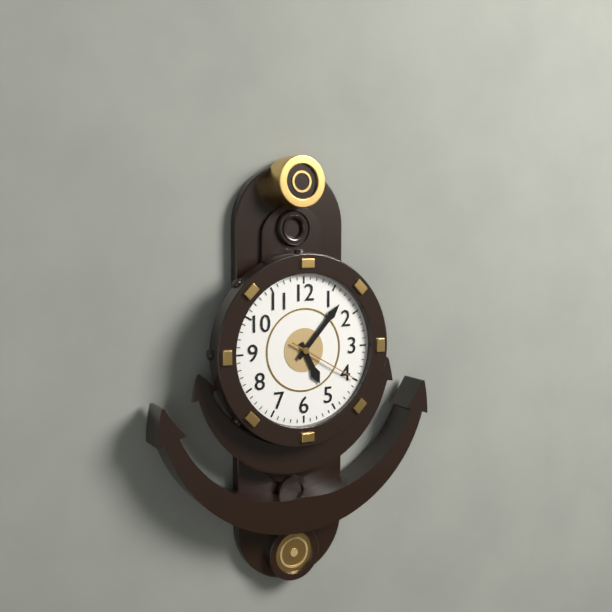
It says 5:07:20
